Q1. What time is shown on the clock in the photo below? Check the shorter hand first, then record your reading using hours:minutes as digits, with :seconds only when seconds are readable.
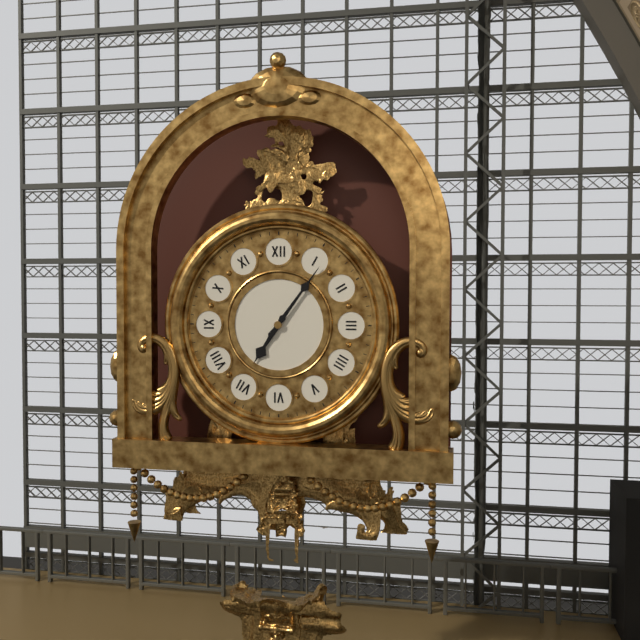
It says 7:06
